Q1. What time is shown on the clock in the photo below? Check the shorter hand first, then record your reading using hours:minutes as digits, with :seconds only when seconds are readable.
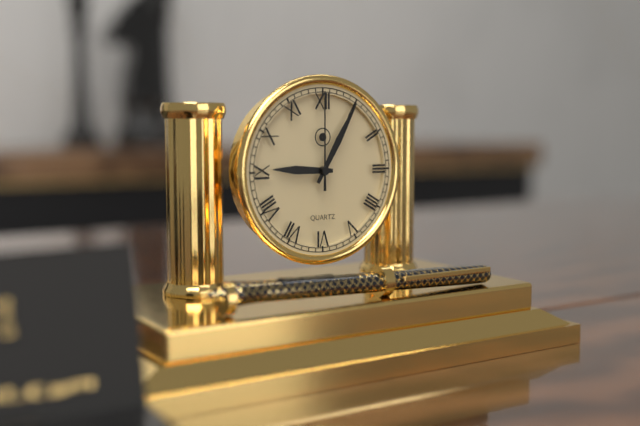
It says 9:05:00
